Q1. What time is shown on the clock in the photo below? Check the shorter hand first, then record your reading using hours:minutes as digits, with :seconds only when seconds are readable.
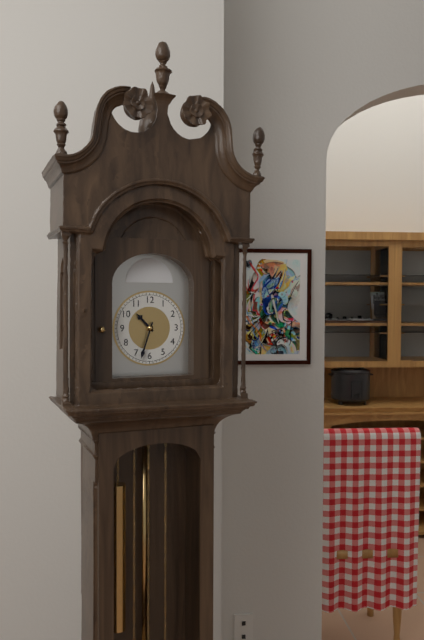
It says 10:33
